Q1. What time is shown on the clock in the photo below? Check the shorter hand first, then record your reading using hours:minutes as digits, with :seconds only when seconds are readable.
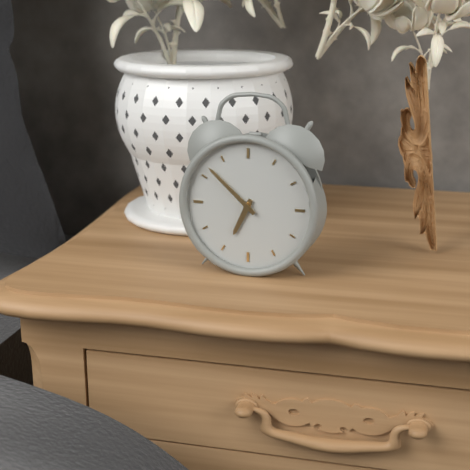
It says 6:52
